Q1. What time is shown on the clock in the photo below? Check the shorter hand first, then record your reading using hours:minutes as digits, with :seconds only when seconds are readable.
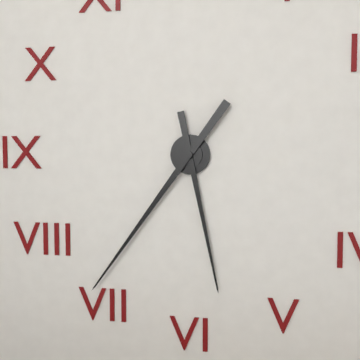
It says 5:36
